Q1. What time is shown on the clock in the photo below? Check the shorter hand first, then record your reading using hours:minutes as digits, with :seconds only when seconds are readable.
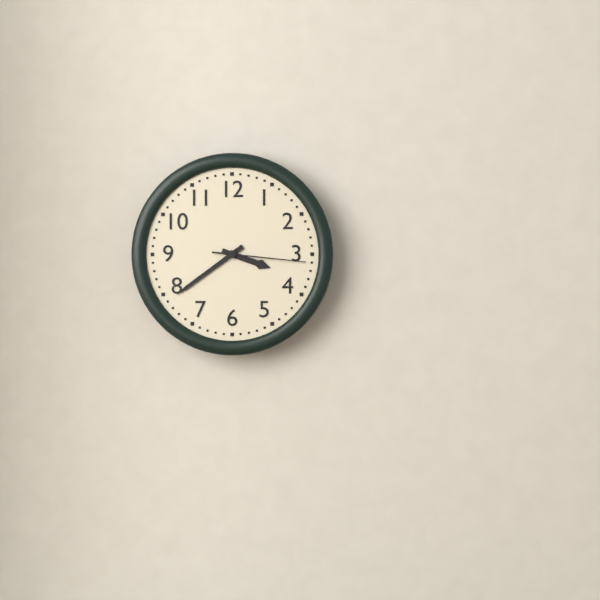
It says 3:39:16
